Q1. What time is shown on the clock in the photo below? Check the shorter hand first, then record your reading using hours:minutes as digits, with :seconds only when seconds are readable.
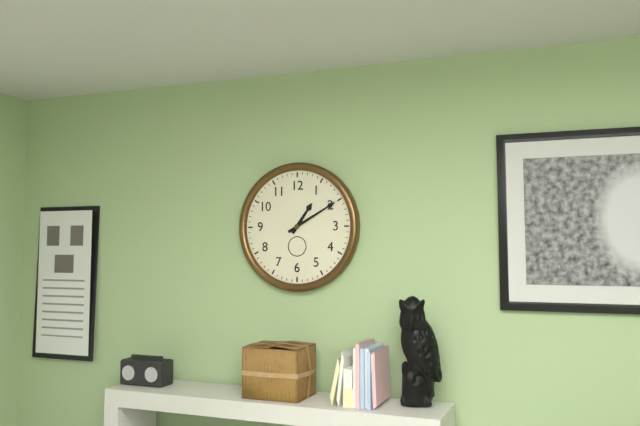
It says 1:10
